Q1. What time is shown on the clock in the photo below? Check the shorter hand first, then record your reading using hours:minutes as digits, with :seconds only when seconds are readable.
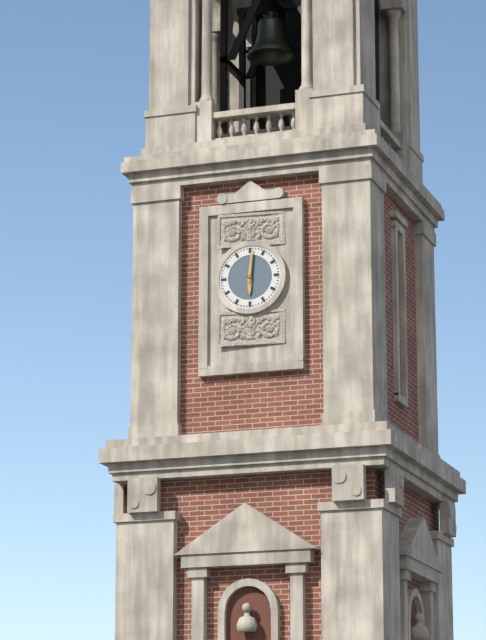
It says 6:01
